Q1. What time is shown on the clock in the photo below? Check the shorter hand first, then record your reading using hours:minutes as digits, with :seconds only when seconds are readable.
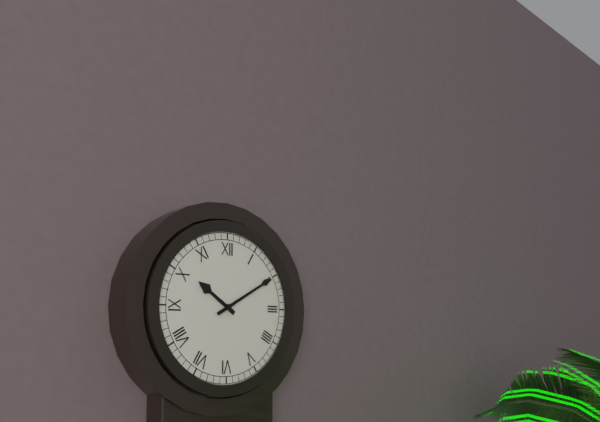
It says 10:10
